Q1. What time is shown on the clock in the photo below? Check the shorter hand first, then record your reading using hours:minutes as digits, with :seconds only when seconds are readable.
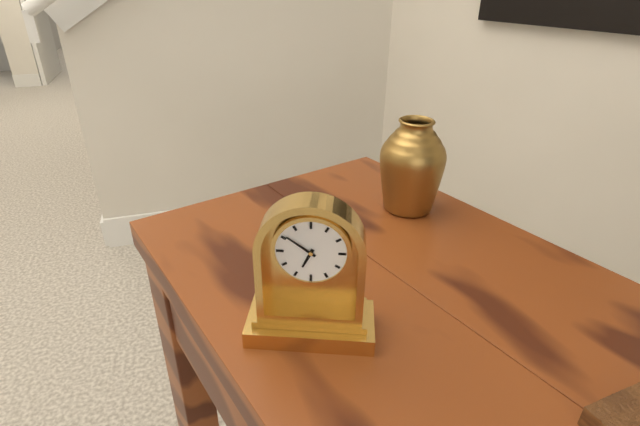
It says 6:51
